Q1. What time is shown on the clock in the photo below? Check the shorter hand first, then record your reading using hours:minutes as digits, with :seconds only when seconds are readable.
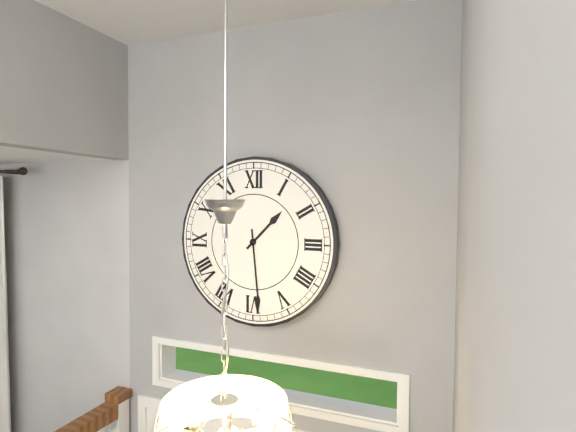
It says 1:29
